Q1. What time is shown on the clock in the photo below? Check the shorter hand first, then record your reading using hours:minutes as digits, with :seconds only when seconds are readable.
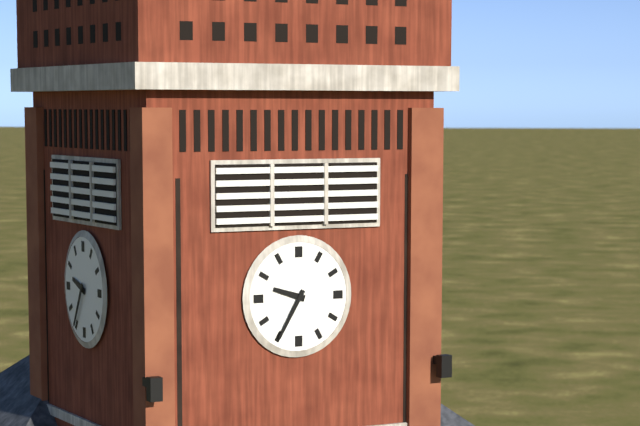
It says 9:35
